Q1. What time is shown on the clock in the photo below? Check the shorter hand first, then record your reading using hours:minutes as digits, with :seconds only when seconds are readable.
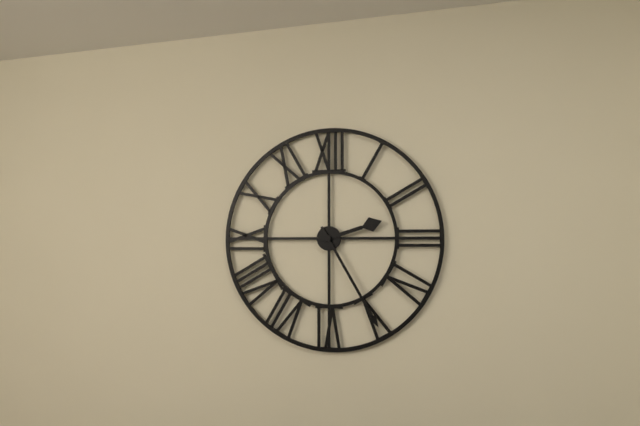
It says 2:25
